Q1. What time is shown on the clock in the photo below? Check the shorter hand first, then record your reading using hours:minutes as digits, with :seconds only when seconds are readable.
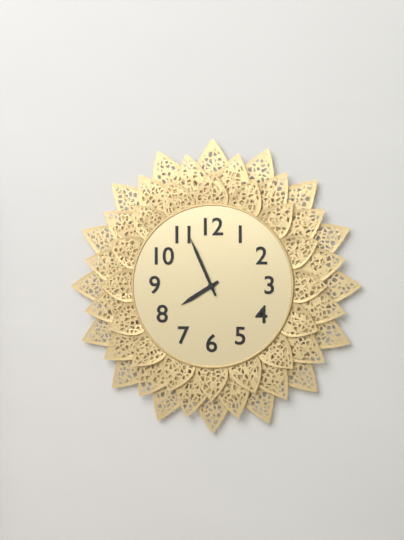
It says 7:56
